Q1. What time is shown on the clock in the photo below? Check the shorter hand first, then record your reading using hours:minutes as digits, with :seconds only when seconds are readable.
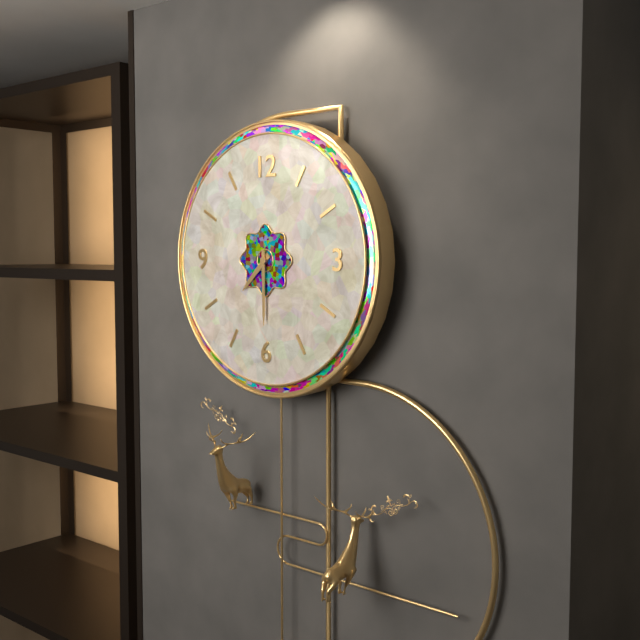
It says 7:30
